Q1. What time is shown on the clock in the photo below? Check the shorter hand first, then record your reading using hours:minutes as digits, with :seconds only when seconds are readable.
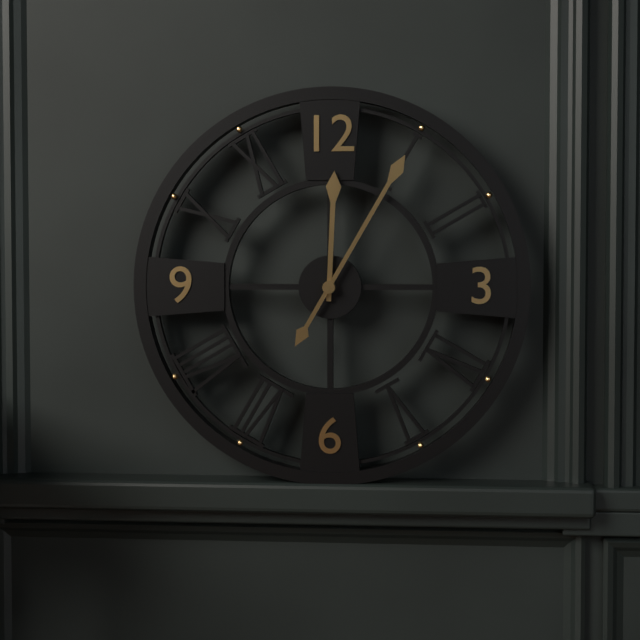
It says 12:05
